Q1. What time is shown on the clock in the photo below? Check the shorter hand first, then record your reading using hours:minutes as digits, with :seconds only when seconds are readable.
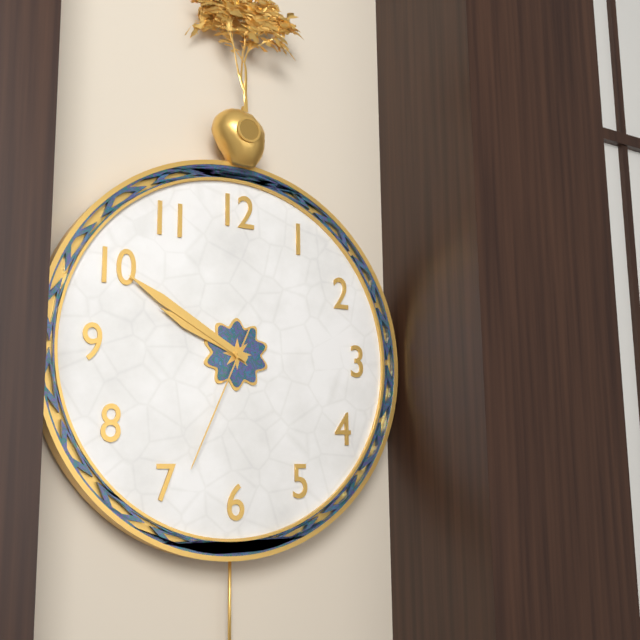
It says 9:50:34
